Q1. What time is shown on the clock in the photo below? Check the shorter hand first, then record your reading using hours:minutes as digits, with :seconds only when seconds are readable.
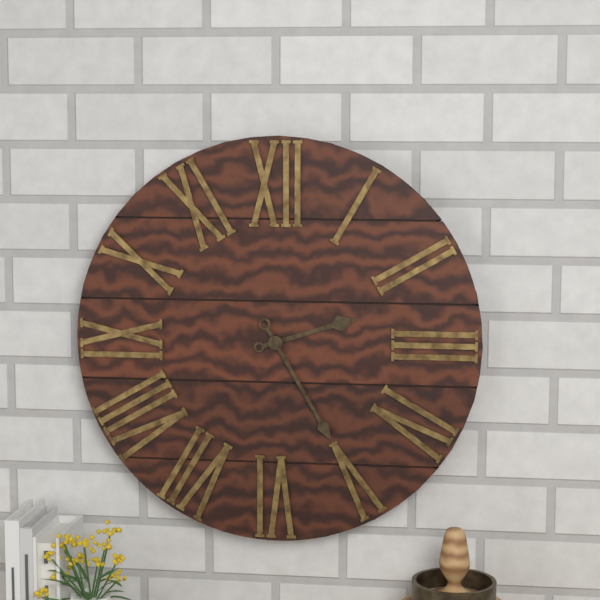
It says 2:25
